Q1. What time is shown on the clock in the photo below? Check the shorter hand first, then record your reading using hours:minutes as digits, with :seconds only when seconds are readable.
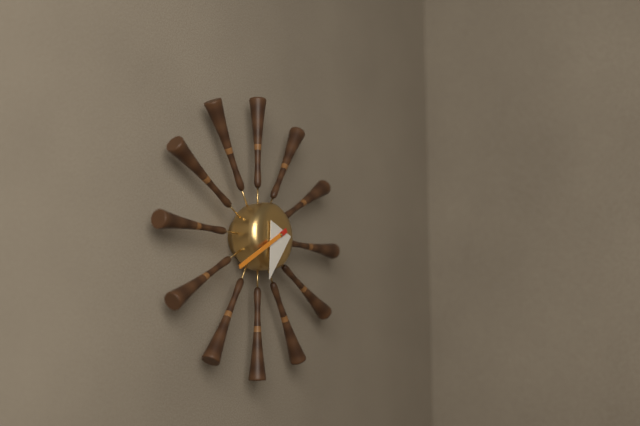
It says 6:40
